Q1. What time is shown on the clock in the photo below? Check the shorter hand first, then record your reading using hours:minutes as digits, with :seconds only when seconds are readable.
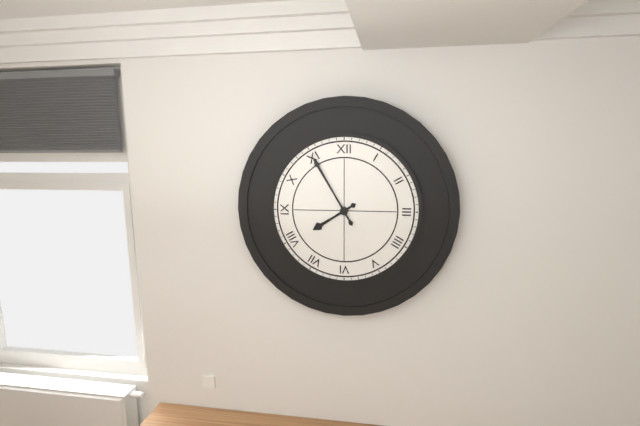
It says 7:55
